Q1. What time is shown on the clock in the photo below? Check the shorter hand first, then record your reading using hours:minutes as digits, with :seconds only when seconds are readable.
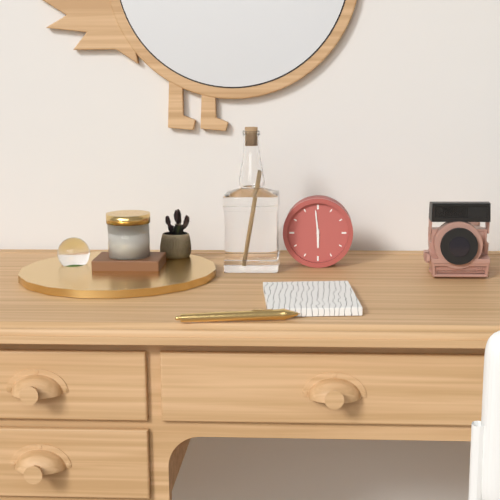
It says 5:59
